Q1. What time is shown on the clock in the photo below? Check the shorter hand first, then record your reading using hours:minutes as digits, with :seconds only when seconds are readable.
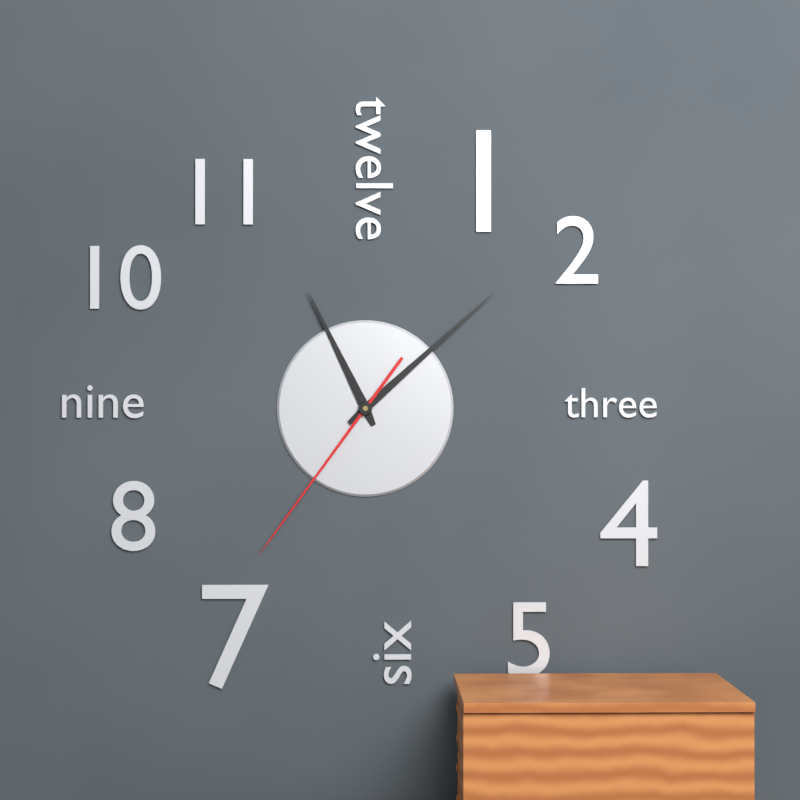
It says 11:08:36
